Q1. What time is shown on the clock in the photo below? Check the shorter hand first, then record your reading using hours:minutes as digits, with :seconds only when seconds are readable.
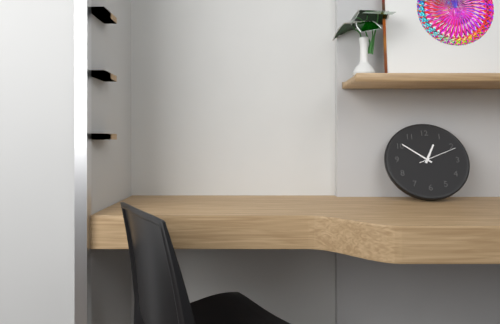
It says 12:51
